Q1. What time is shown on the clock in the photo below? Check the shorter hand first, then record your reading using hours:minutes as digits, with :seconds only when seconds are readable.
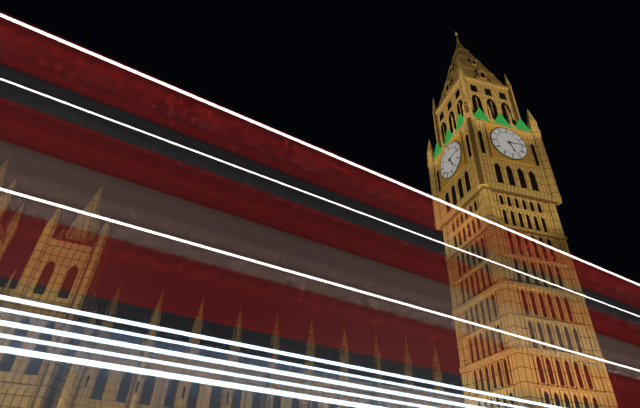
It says 5:14
